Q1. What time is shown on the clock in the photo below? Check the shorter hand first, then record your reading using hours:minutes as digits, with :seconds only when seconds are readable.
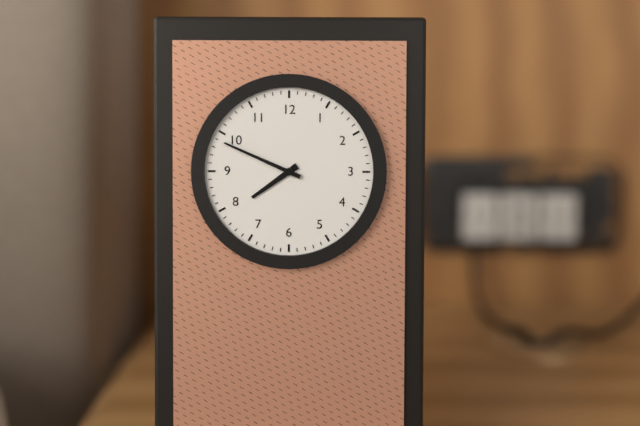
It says 7:49
